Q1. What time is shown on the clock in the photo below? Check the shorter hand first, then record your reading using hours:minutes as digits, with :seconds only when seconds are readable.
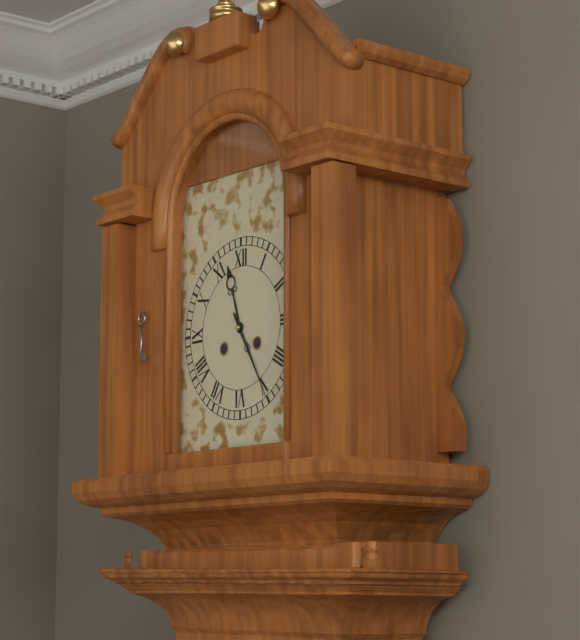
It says 11:25
